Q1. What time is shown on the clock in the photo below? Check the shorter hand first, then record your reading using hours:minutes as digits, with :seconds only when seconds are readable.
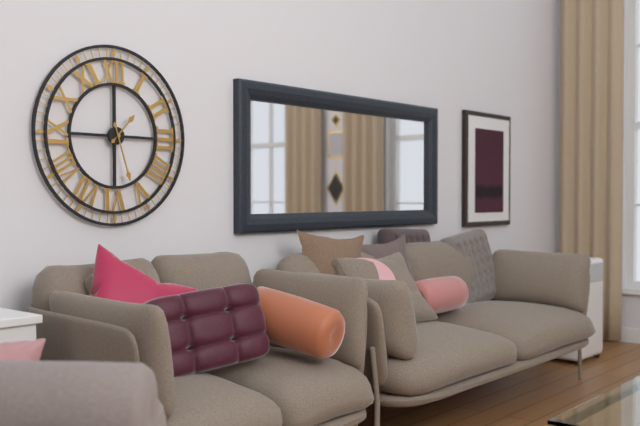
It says 1:27
